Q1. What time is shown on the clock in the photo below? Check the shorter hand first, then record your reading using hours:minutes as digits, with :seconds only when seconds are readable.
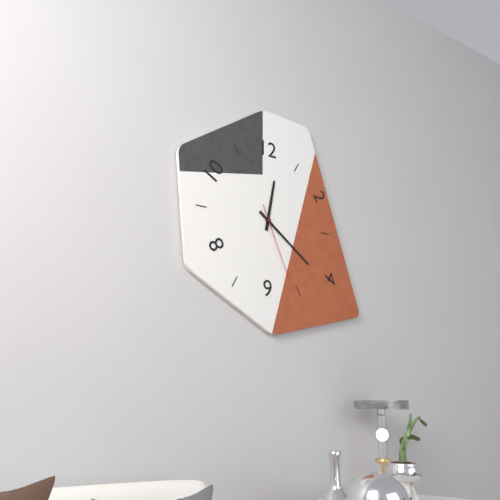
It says 12:21:26
